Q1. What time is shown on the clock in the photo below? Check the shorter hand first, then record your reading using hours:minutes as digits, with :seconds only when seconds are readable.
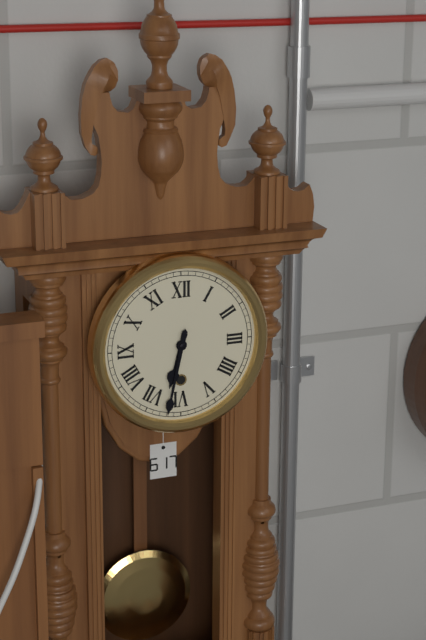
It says 6:32
